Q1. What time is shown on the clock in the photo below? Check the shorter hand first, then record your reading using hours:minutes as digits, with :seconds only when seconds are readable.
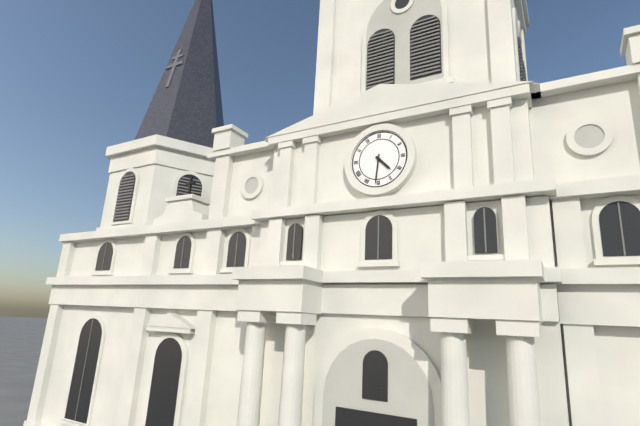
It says 4:31
